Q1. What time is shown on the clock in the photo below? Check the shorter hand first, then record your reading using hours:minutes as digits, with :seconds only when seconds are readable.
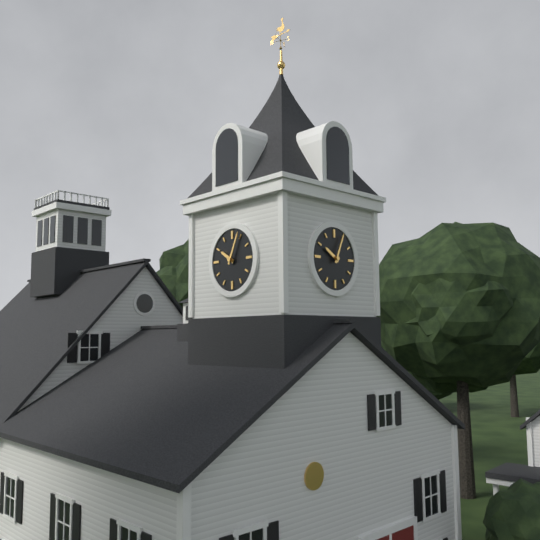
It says 10:04
